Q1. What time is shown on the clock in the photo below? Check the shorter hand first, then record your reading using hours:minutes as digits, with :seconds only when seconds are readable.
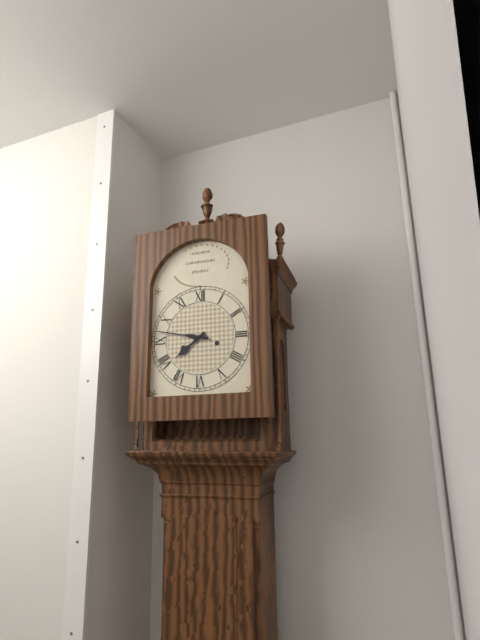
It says 7:47
